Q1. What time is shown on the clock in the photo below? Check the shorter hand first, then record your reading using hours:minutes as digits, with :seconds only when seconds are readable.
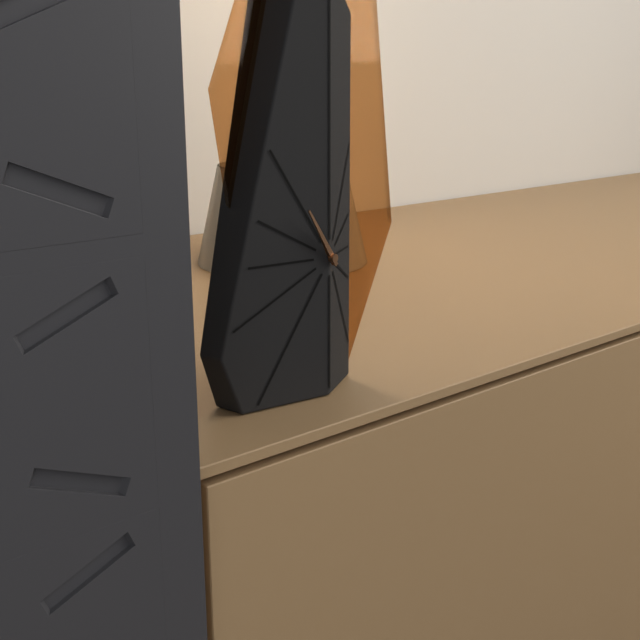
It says 10:54
